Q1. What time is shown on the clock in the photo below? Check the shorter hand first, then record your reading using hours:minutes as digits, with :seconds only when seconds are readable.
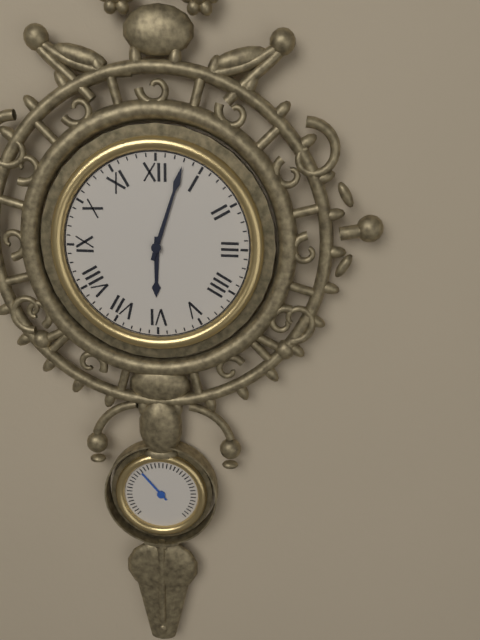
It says 6:03
